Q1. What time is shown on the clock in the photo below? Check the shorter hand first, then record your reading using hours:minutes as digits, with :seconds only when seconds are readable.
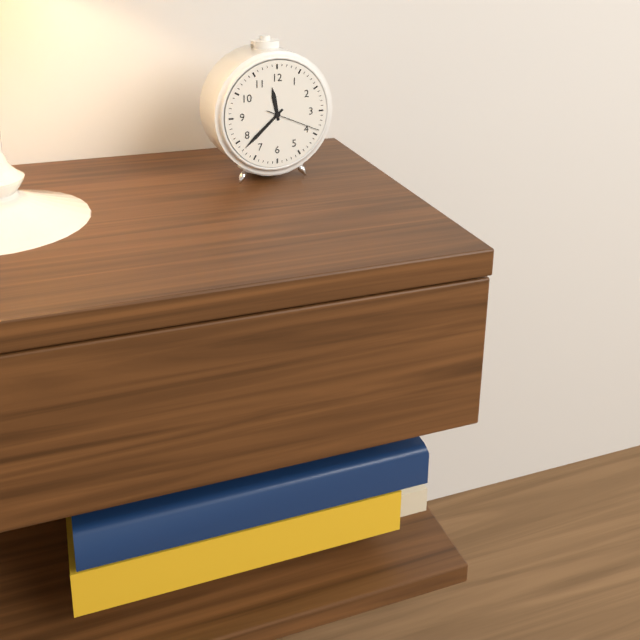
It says 11:38:19
